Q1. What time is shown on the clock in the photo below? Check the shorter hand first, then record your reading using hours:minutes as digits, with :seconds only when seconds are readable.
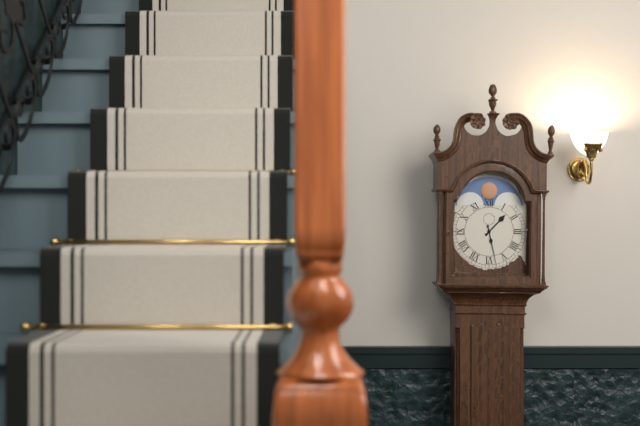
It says 1:28
